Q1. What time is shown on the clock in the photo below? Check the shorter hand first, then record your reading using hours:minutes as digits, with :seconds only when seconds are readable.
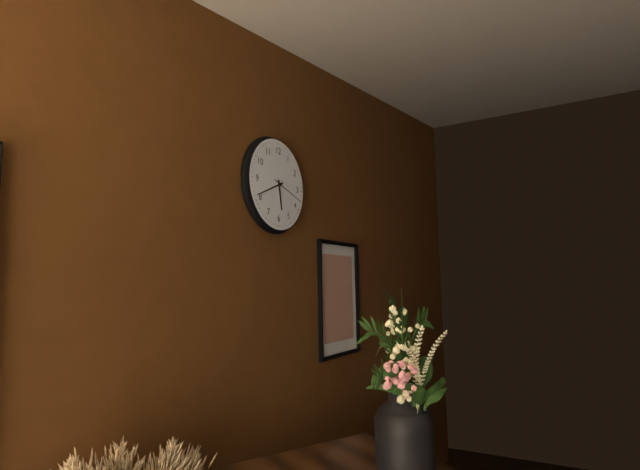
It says 5:41
